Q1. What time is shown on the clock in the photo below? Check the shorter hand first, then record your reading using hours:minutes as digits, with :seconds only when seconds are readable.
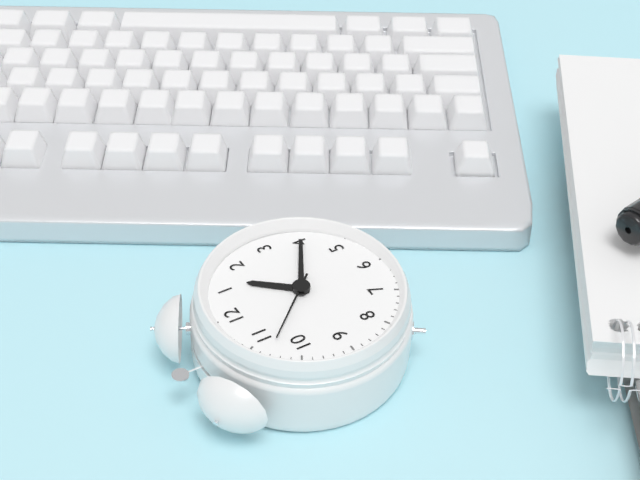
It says 1:20:53
